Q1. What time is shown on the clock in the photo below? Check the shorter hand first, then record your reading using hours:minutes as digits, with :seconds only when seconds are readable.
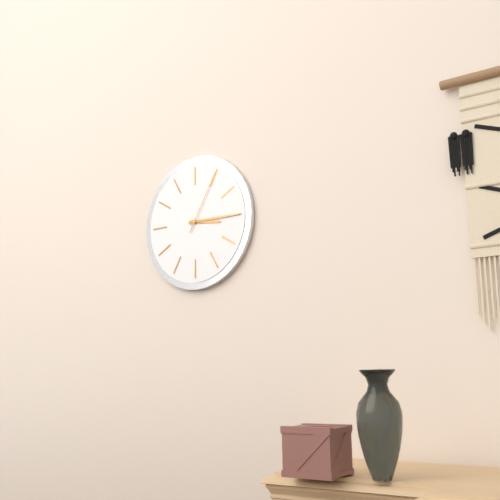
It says 3:15:05
